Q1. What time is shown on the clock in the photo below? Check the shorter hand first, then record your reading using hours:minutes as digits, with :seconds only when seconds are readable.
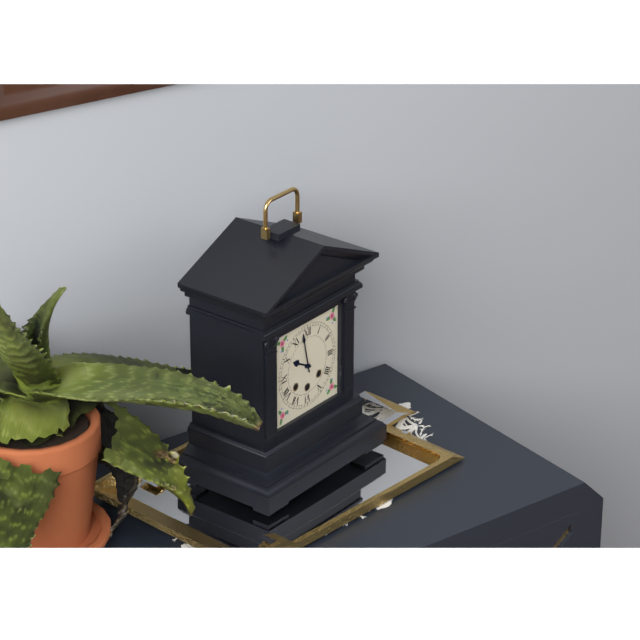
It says 9:58
